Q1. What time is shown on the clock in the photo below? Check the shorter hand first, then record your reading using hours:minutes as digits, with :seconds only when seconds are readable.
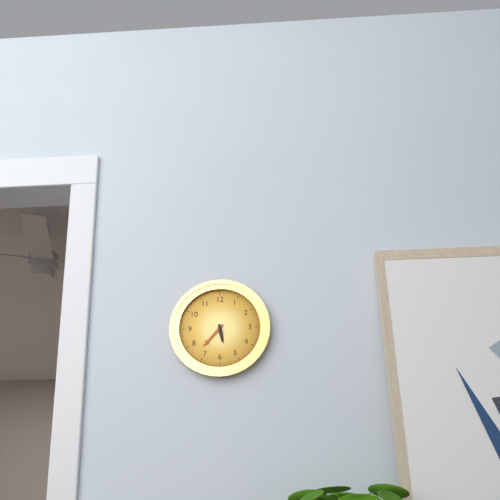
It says 5:37
